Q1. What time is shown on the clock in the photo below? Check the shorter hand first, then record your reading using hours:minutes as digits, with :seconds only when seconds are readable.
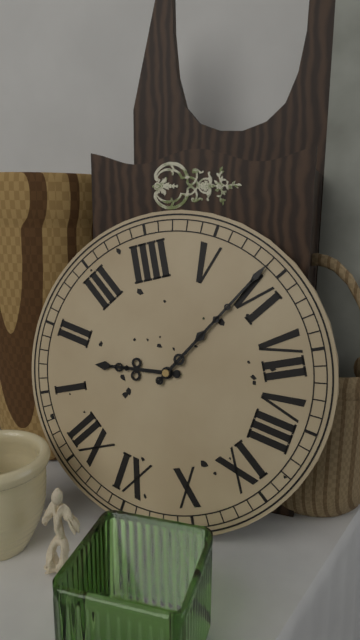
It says 1:29
